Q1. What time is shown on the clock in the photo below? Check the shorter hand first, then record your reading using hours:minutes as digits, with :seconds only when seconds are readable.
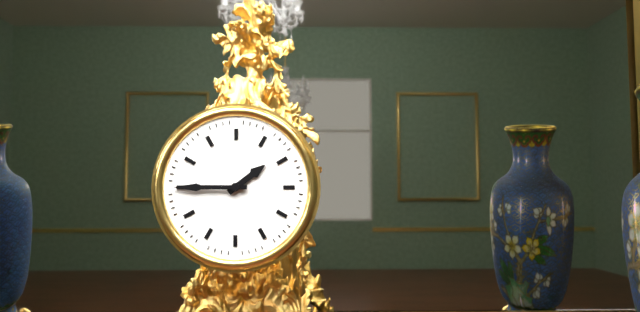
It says 1:45
